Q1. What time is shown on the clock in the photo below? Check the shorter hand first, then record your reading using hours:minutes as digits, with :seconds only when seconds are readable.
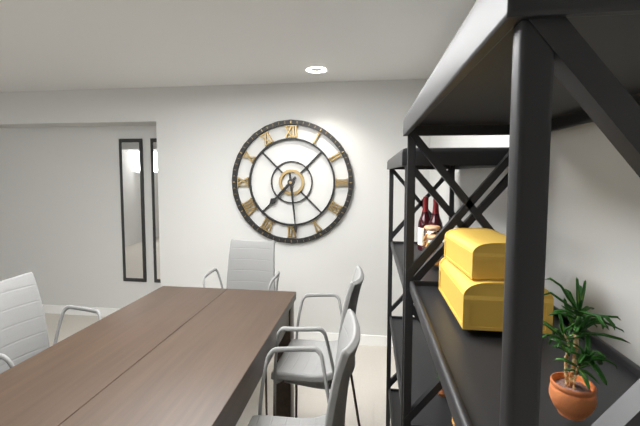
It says 7:29
